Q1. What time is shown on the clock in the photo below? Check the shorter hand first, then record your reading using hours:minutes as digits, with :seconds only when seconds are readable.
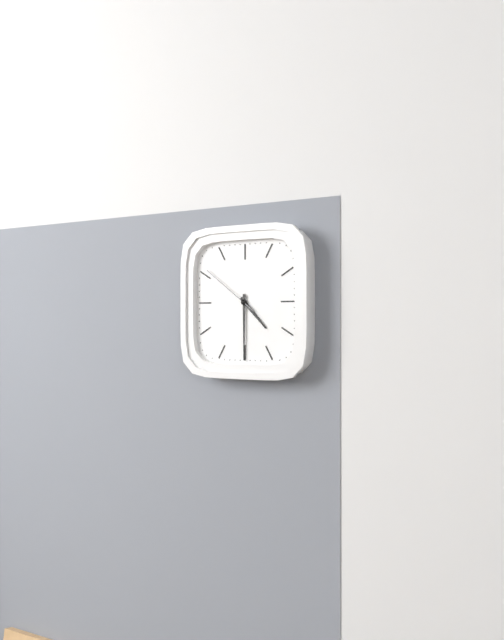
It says 4:30:51
